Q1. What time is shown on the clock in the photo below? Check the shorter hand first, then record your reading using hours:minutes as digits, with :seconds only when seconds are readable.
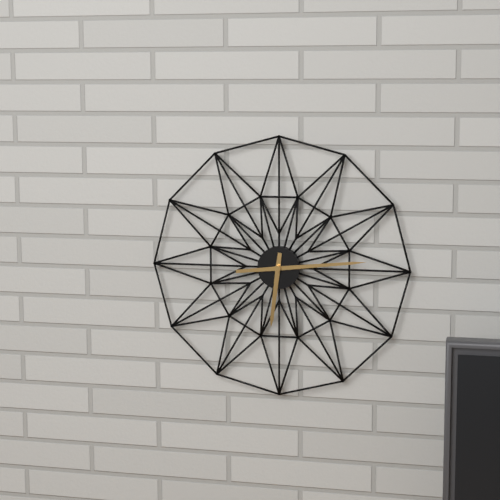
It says 6:14
